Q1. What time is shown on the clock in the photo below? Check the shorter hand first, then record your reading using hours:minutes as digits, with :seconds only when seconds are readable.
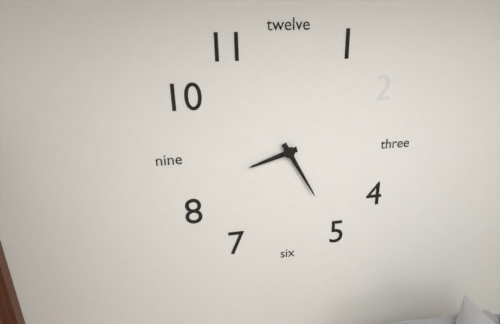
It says 8:25
